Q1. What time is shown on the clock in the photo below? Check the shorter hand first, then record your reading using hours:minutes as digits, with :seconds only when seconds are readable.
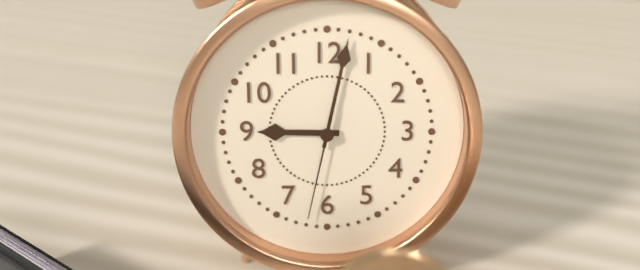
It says 9:02:32
